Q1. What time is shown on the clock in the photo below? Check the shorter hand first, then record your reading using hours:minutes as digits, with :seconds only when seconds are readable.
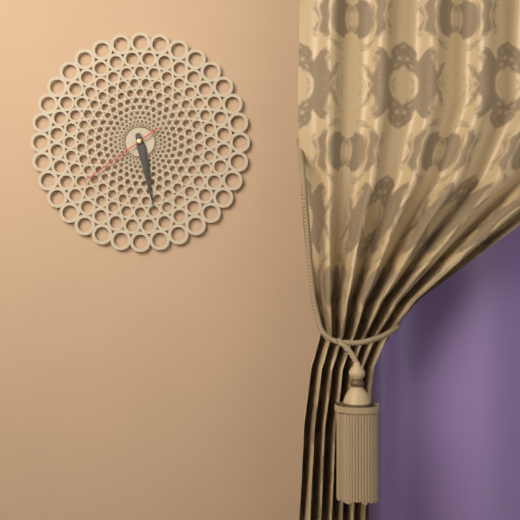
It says 5:28:39
